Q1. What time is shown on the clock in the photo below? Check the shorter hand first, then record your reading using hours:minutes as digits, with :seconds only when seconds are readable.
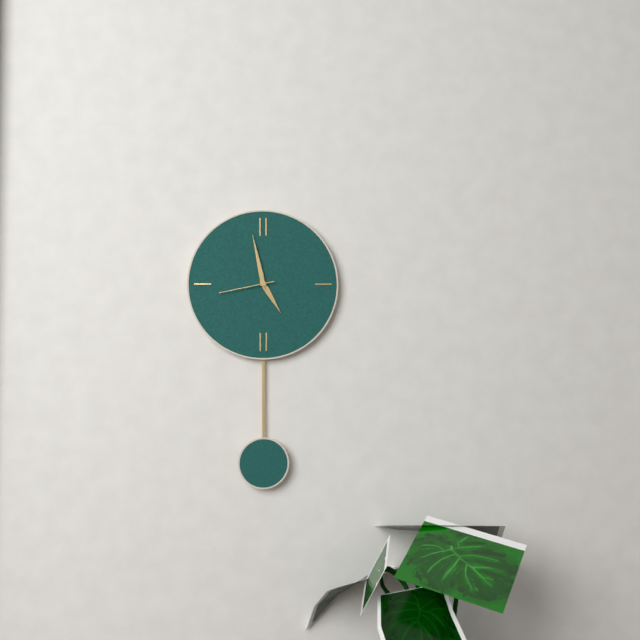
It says 4:58:43
